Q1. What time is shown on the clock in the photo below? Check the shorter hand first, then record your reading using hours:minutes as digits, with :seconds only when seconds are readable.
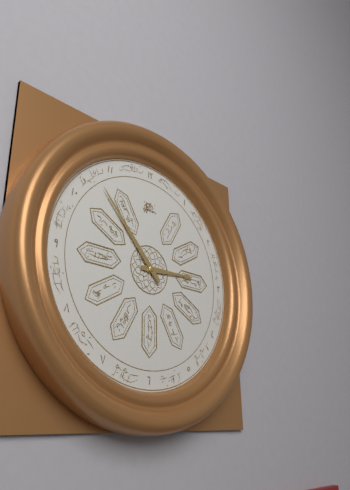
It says 2:53
